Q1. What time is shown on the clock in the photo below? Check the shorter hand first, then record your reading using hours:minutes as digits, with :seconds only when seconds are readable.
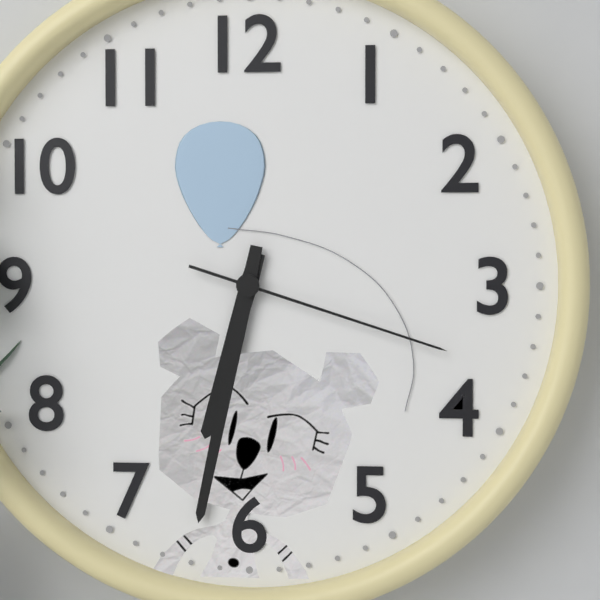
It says 6:32:18
